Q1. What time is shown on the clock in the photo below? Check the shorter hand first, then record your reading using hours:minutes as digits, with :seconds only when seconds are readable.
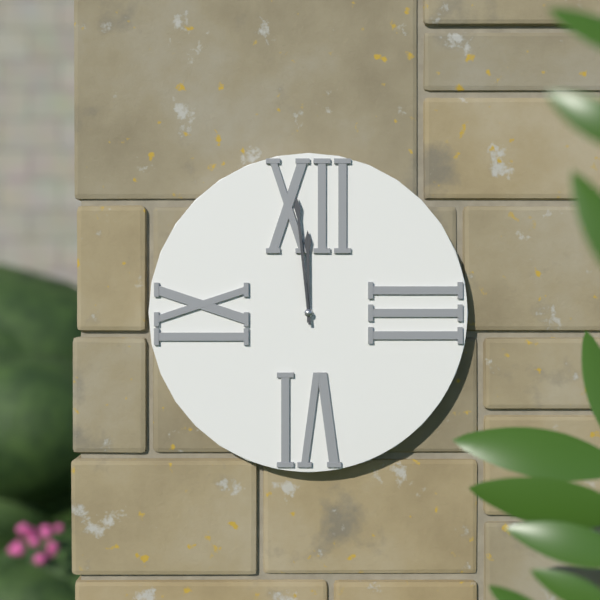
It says 11:59
